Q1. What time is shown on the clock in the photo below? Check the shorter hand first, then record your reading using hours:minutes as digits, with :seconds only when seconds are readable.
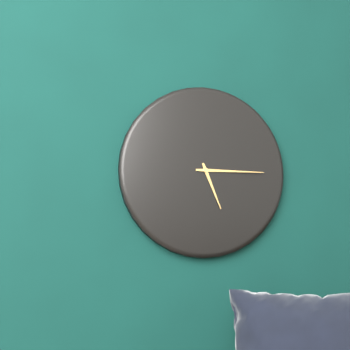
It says 5:15
